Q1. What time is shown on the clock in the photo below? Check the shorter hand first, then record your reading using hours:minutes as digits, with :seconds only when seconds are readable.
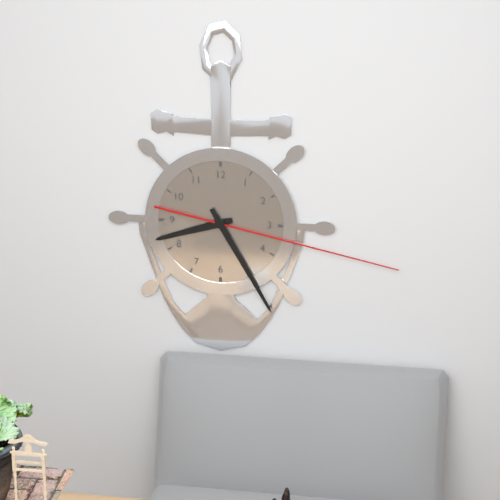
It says 8:25:17
